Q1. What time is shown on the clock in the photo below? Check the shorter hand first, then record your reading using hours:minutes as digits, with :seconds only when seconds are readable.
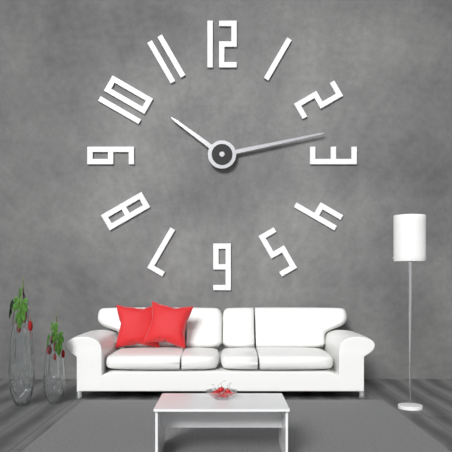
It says 10:13
